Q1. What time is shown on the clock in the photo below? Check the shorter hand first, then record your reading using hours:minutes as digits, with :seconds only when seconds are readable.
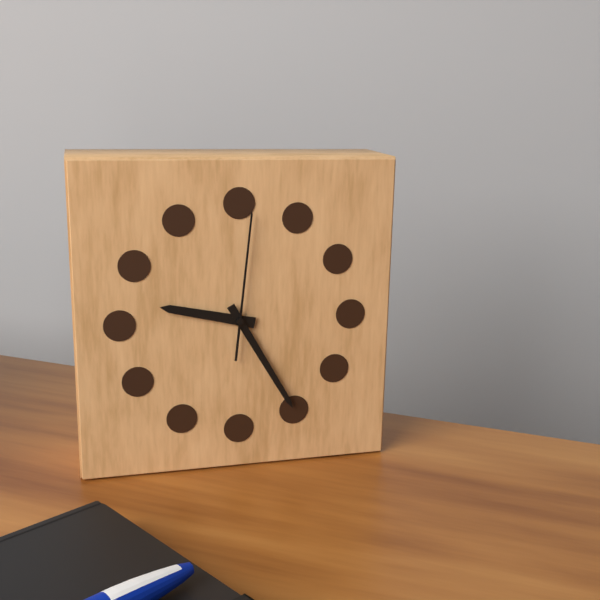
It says 9:25:01
